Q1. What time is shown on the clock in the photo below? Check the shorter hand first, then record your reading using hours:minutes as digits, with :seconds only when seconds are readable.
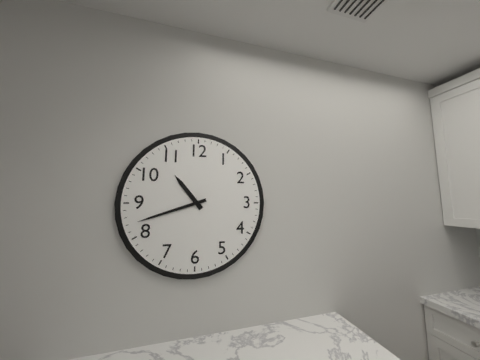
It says 10:42
